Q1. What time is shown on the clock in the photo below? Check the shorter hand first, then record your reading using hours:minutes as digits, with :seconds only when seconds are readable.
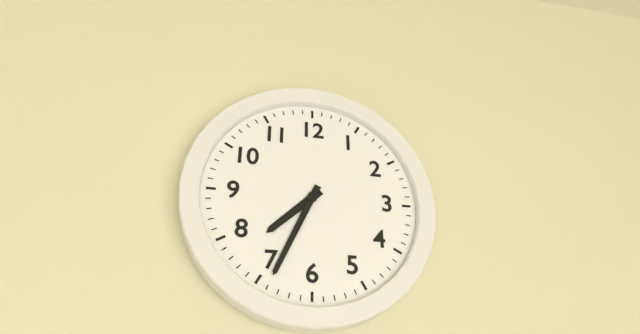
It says 7:34
